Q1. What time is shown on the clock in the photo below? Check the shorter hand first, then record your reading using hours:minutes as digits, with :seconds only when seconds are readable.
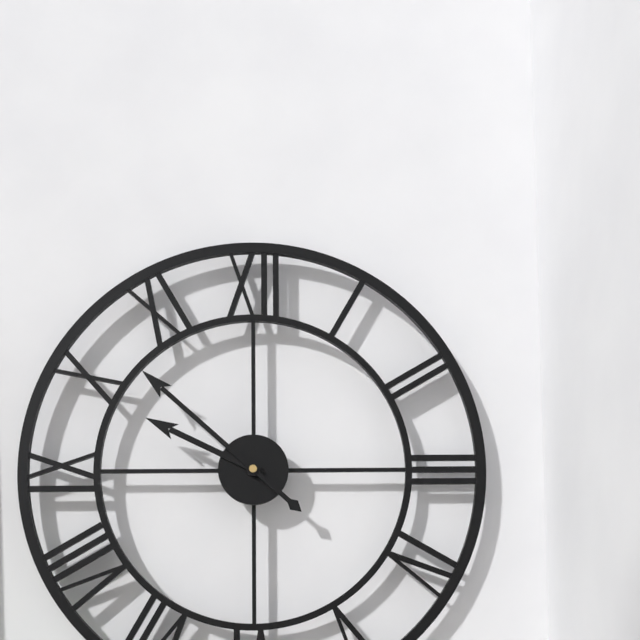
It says 9:52
